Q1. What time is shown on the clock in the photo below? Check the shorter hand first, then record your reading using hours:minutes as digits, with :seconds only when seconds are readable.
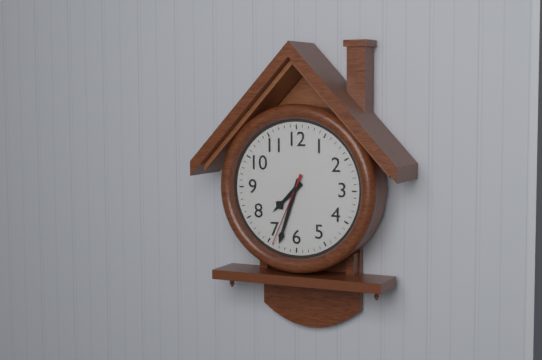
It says 7:33:34
